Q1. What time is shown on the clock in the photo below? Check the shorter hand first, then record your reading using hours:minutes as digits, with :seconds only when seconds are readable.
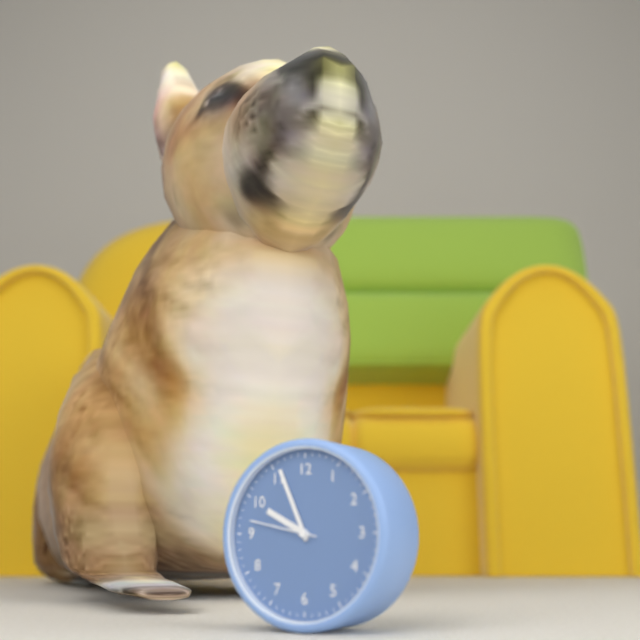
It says 9:56:47
